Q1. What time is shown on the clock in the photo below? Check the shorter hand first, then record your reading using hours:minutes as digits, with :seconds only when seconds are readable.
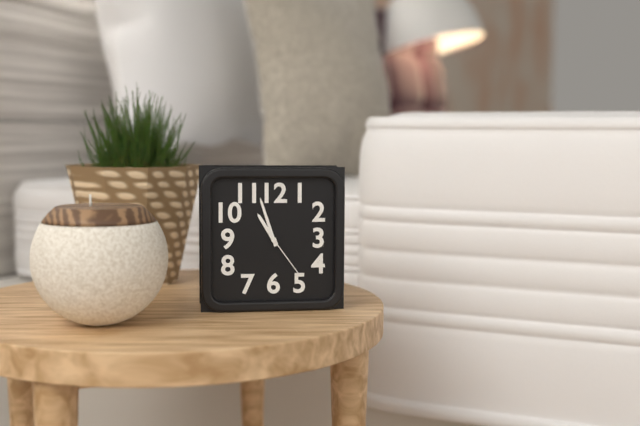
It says 10:57:24
